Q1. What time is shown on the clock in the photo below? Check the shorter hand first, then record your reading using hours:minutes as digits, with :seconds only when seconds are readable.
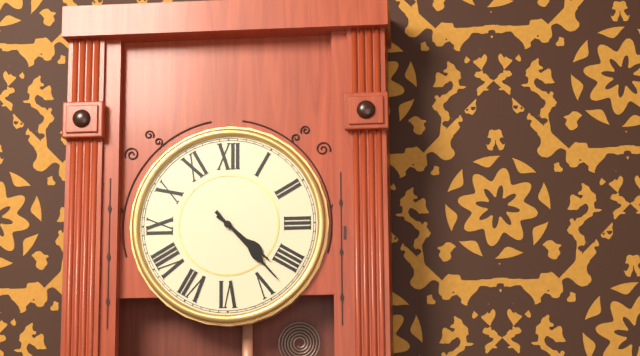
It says 4:23
